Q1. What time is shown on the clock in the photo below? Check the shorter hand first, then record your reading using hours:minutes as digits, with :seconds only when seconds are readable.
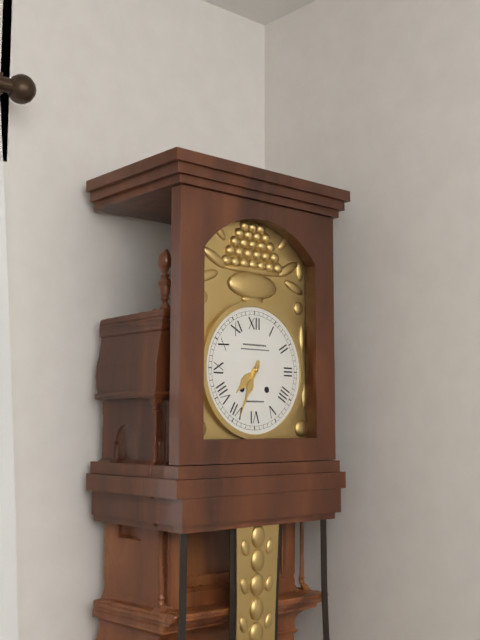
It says 7:34
